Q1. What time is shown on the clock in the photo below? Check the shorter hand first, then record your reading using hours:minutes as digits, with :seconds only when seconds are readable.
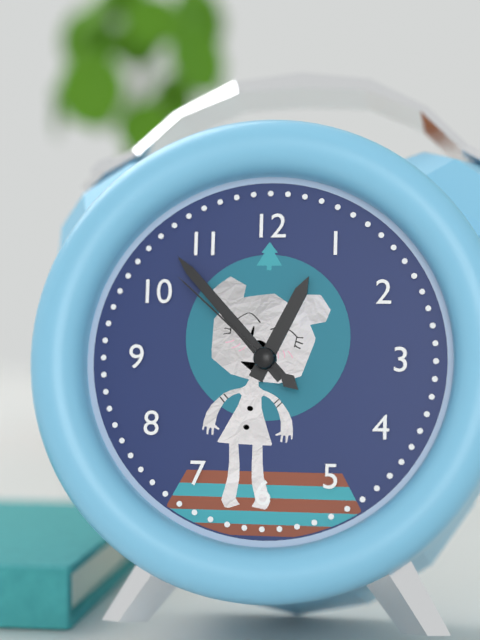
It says 12:53:52
